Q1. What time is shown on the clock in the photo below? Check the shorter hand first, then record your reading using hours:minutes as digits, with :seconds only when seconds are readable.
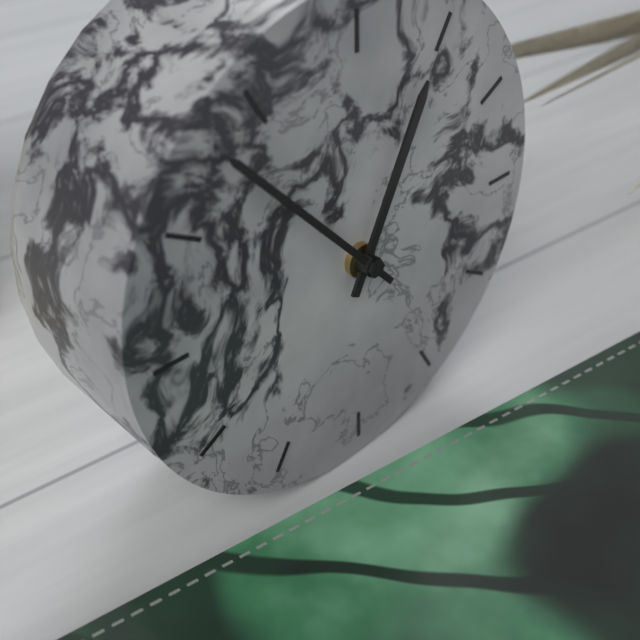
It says 12:53
